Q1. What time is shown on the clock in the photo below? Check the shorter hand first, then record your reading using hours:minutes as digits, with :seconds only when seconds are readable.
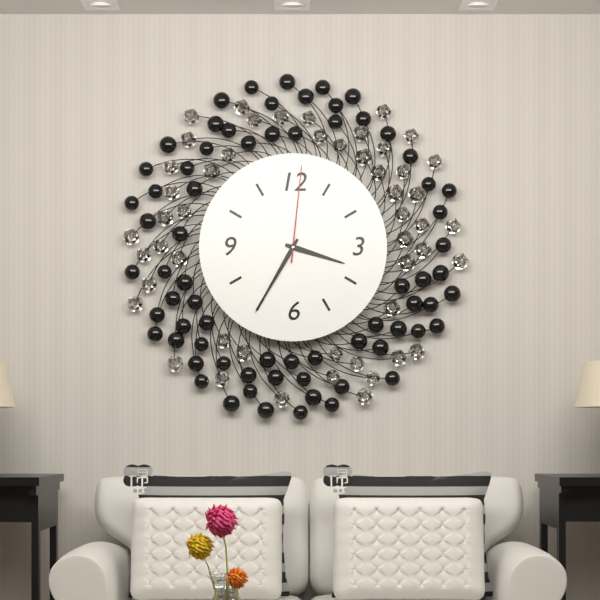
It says 3:35:01
